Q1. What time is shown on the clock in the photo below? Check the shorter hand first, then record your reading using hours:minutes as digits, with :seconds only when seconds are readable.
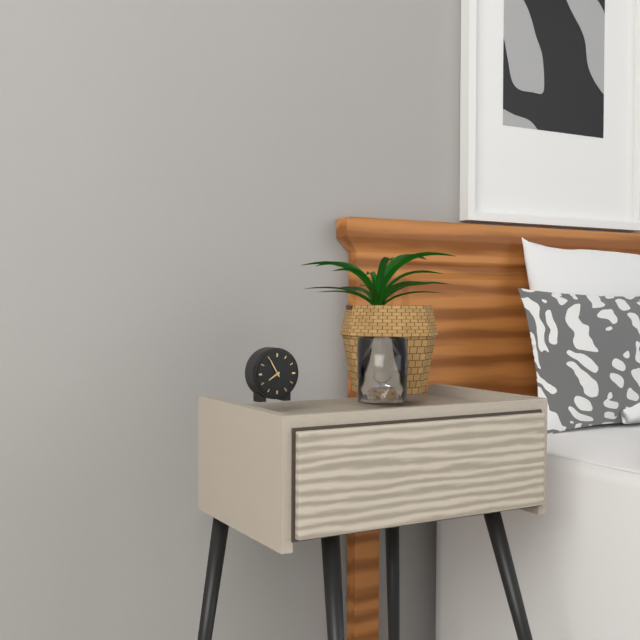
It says 7:55
